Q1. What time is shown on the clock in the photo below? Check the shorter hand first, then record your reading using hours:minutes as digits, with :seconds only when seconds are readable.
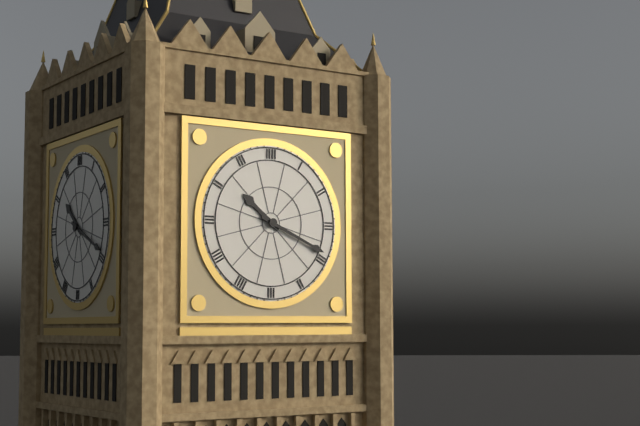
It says 10:19
